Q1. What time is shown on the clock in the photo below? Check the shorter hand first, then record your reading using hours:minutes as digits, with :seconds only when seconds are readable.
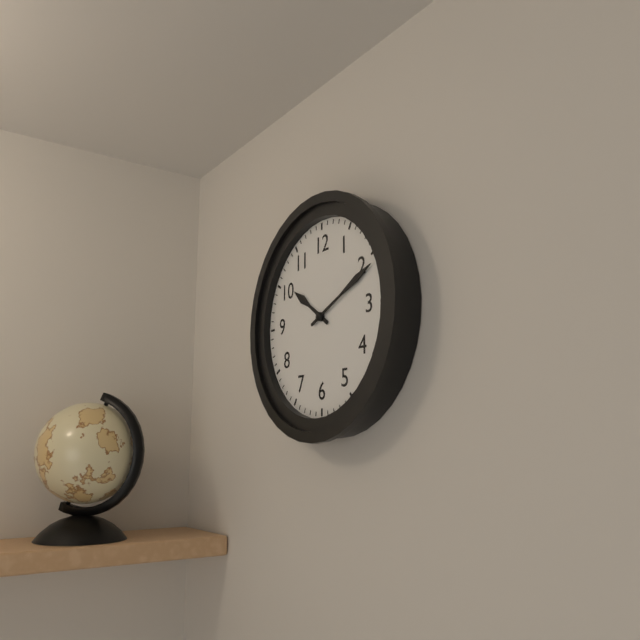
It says 10:11
